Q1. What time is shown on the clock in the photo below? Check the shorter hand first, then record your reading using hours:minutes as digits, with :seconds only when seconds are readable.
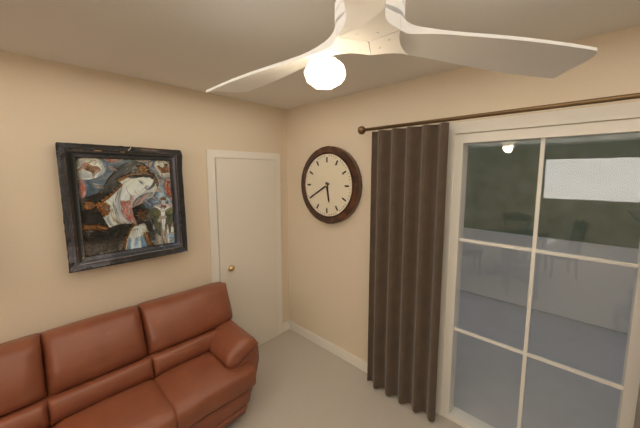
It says 5:40
